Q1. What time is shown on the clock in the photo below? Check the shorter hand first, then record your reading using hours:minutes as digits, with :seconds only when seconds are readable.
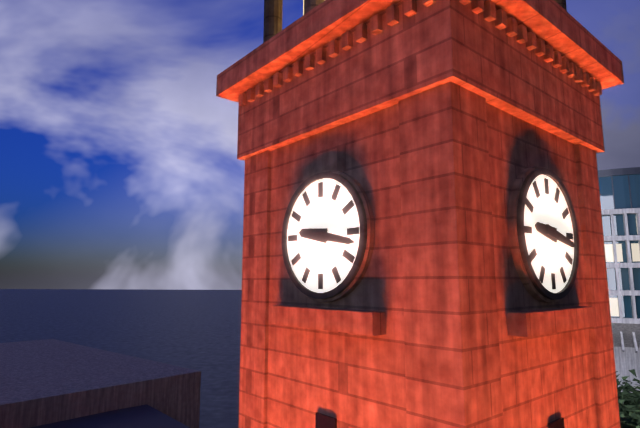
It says 9:17
